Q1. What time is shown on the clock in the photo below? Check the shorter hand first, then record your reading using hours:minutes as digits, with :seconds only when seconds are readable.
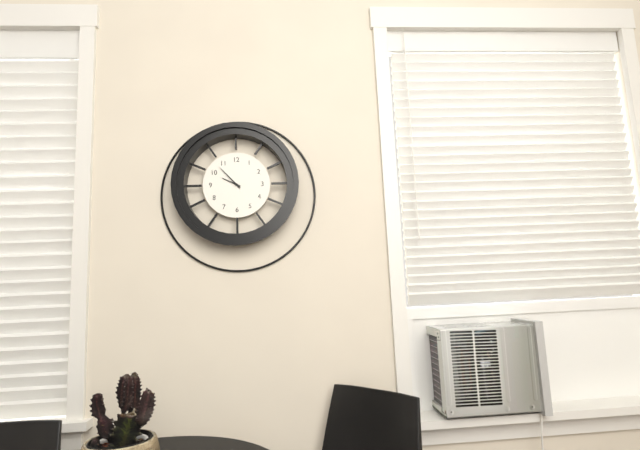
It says 9:53
